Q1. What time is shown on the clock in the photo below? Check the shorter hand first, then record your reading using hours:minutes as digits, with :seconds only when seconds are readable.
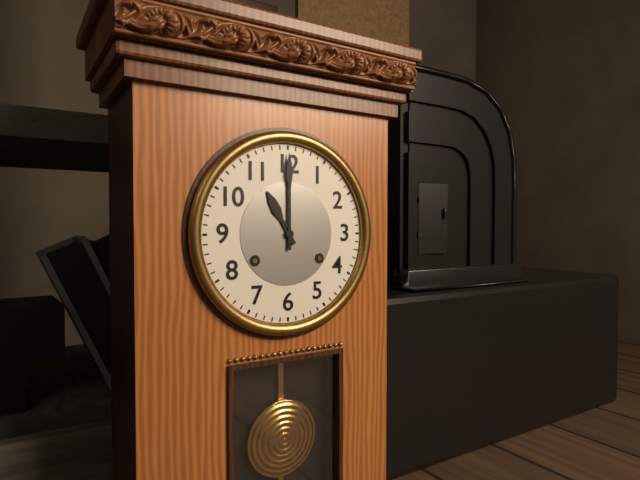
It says 11:00
